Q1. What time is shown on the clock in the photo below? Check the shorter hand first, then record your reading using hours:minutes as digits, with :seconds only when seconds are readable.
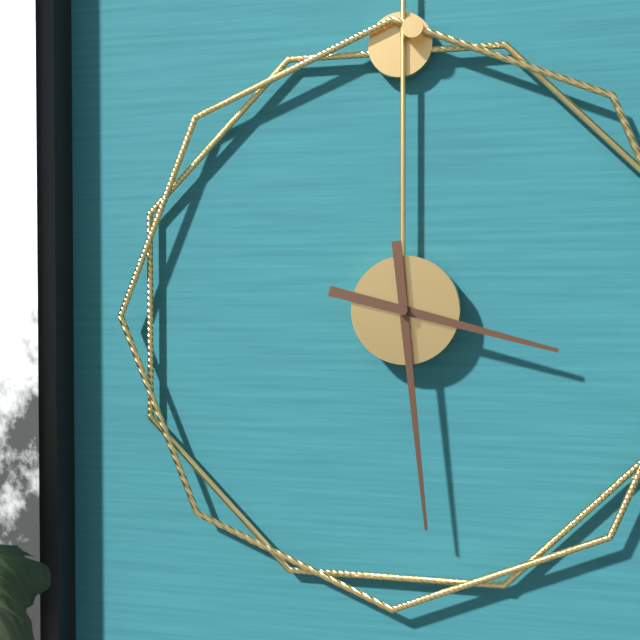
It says 3:29
